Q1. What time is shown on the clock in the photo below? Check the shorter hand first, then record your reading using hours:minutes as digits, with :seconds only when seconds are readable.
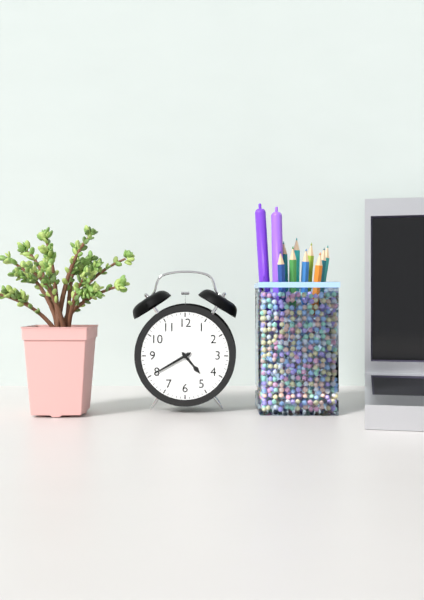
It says 4:40
